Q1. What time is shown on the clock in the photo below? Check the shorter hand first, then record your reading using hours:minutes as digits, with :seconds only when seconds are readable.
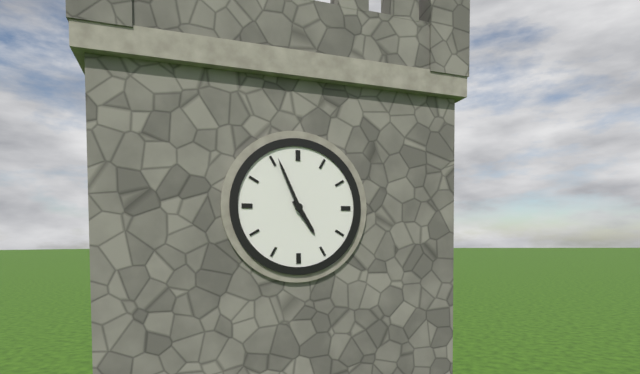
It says 4:56
